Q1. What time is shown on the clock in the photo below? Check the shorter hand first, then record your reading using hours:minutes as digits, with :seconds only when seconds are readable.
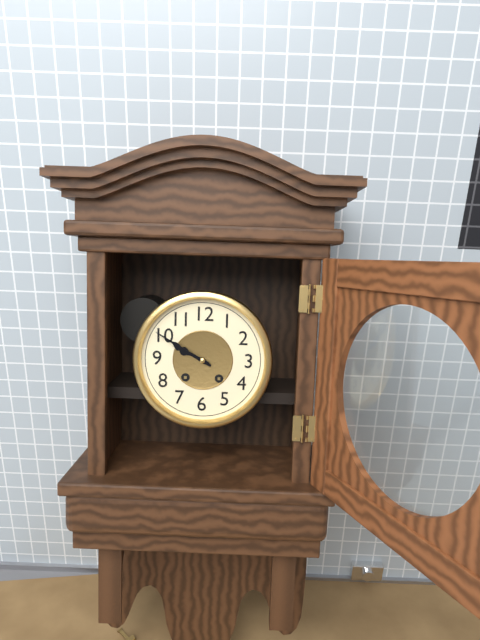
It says 9:50
